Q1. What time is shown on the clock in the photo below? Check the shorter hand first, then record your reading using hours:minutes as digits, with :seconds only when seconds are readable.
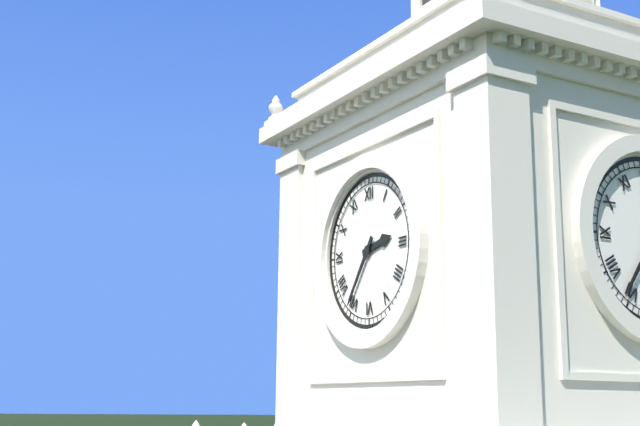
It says 2:36
